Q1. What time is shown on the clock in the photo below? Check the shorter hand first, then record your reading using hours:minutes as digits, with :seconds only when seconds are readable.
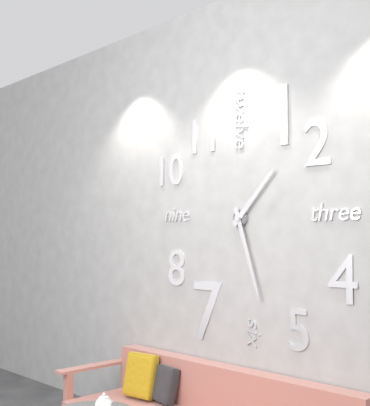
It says 1:27
